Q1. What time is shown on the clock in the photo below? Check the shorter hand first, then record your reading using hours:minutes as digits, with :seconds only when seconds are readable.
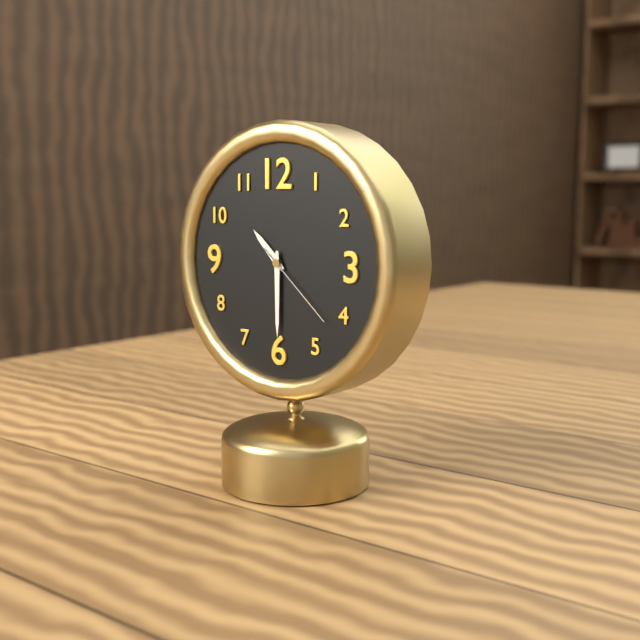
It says 10:30:22
